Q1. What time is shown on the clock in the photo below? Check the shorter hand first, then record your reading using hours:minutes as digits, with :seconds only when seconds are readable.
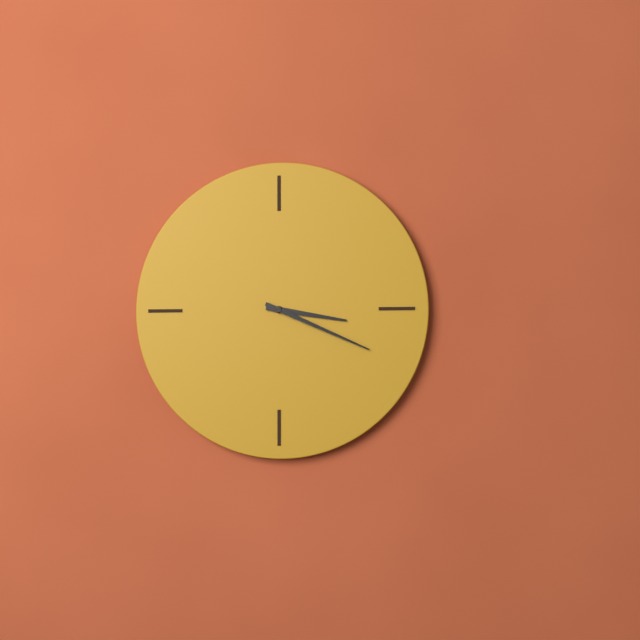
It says 3:19
